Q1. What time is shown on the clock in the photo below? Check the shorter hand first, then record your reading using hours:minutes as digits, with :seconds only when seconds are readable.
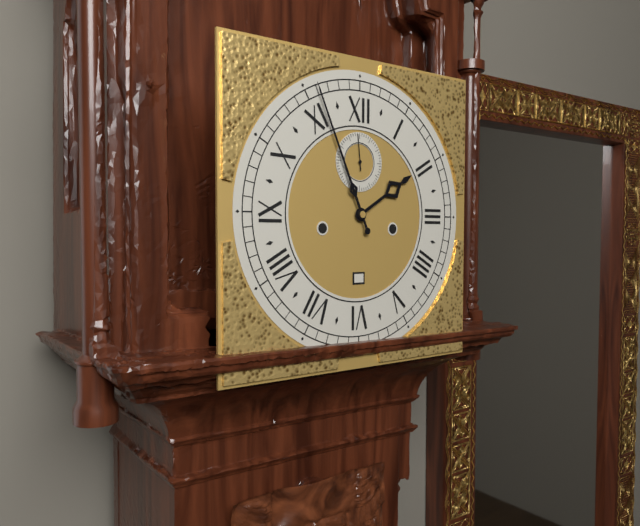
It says 1:56
